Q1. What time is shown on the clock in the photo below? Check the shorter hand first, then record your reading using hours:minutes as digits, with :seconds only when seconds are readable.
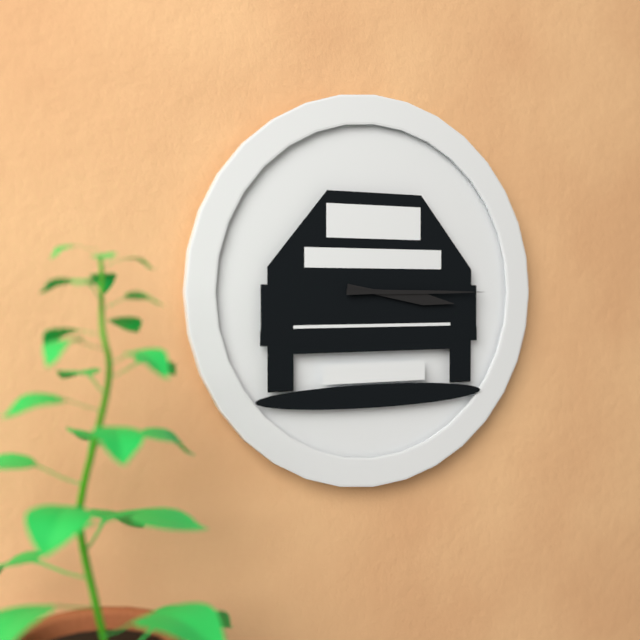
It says 3:15
